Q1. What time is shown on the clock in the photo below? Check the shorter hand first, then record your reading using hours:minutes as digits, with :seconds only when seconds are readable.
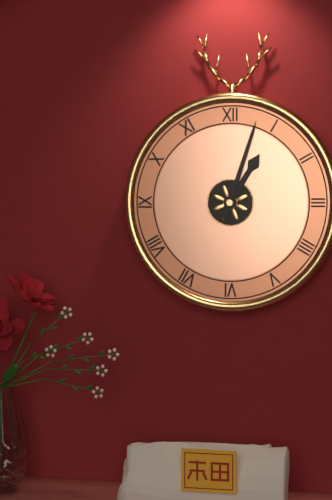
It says 1:03
